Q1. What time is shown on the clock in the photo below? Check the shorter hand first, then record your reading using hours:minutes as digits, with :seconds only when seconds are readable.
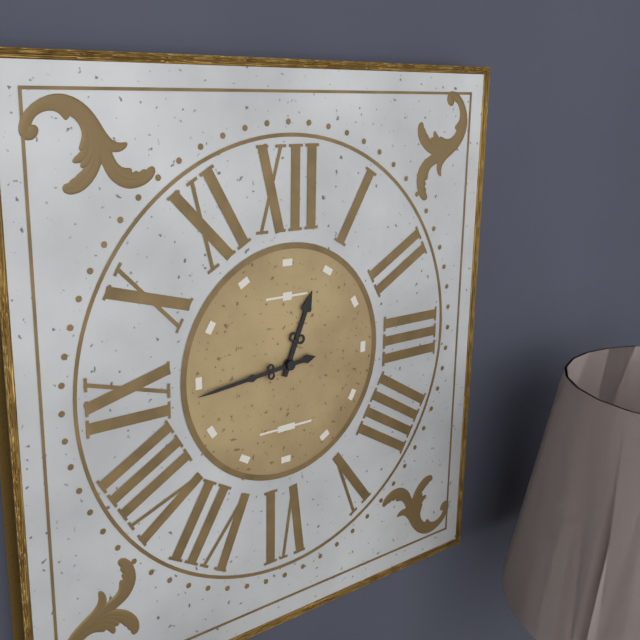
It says 12:44
